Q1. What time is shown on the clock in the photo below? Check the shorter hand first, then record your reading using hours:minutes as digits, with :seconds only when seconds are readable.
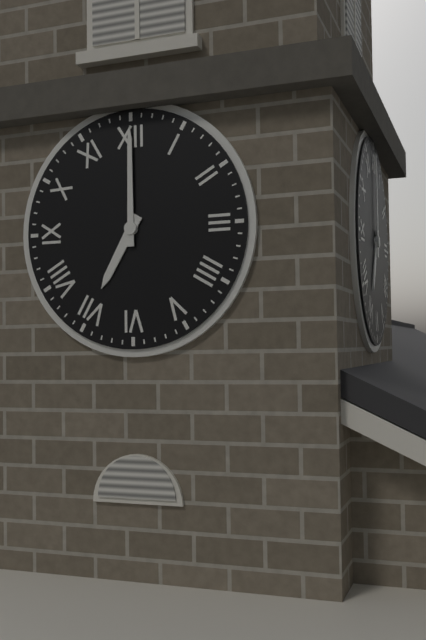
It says 7:00
